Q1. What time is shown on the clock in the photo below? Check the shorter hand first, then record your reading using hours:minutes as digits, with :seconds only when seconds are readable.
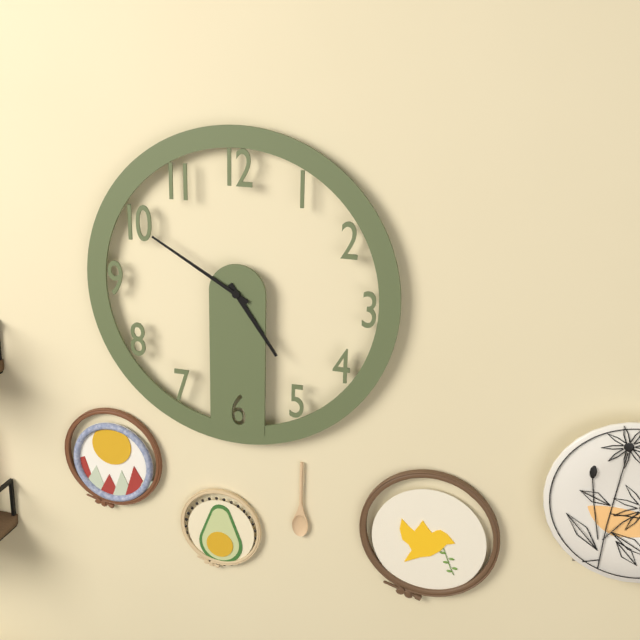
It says 4:50
